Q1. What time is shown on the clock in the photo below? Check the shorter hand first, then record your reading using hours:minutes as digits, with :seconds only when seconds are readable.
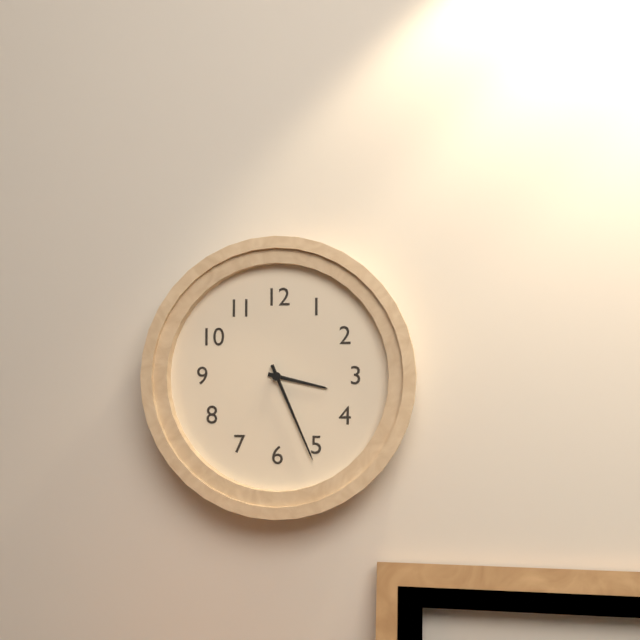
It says 3:26
